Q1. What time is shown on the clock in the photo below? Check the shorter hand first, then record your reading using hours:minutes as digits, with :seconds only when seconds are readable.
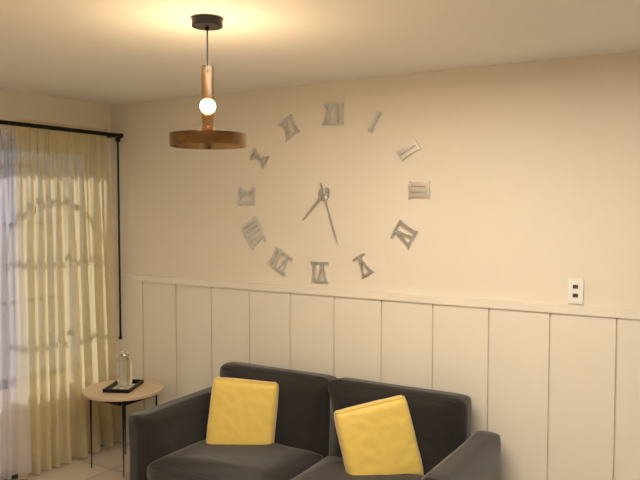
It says 7:27
